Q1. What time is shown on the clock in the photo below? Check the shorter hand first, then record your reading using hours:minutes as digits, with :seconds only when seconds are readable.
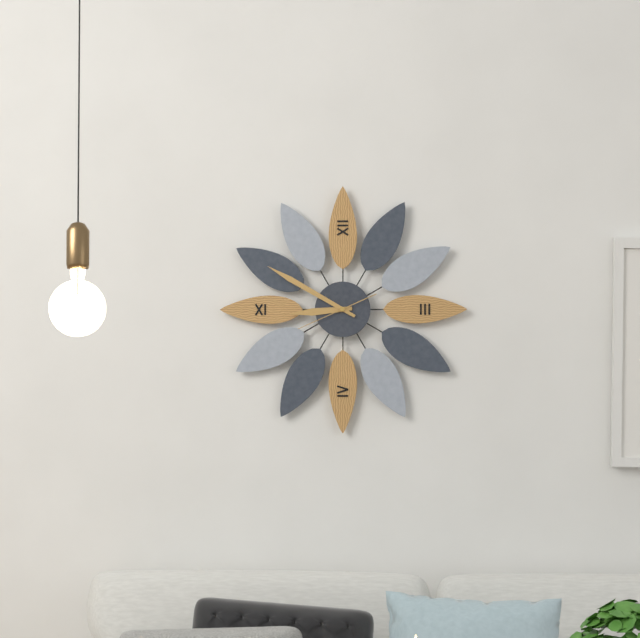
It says 8:50:41
